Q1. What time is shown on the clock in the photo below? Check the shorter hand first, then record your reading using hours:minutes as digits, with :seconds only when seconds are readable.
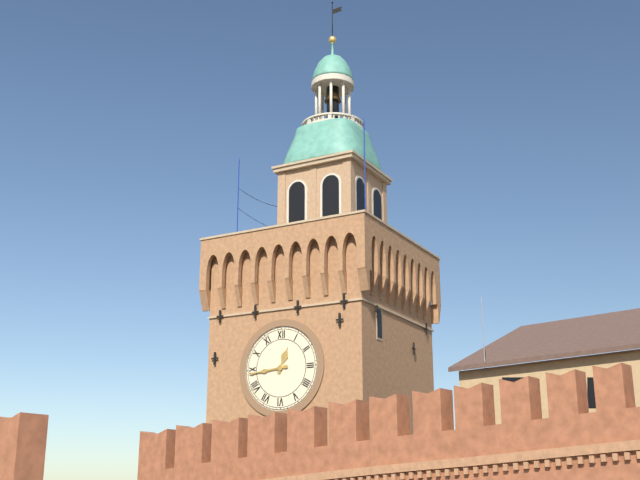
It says 12:44
